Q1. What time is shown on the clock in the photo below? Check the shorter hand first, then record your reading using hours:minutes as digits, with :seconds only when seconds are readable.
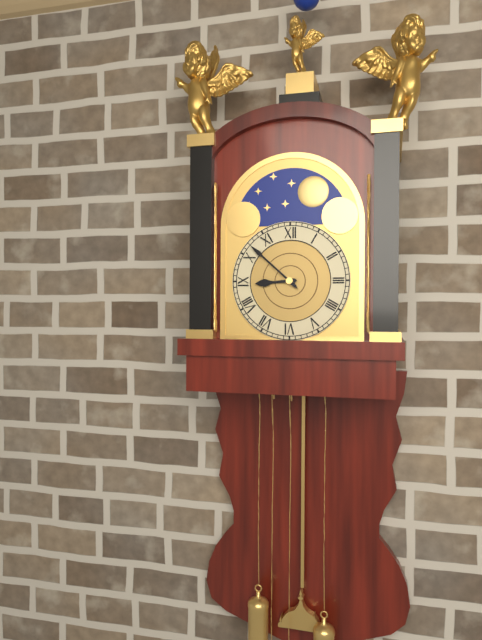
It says 8:52
